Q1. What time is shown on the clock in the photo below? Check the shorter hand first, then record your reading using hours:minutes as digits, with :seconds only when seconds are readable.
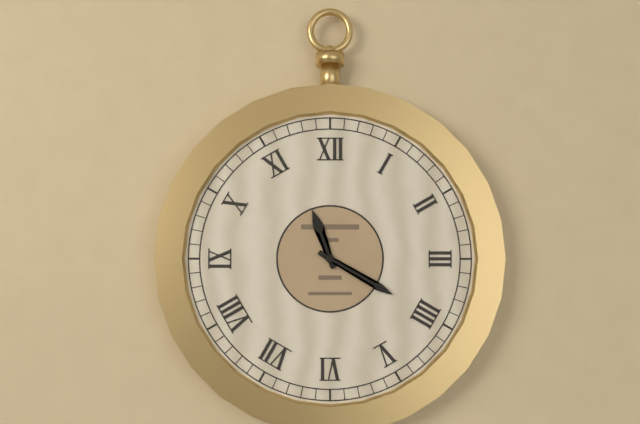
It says 11:20
